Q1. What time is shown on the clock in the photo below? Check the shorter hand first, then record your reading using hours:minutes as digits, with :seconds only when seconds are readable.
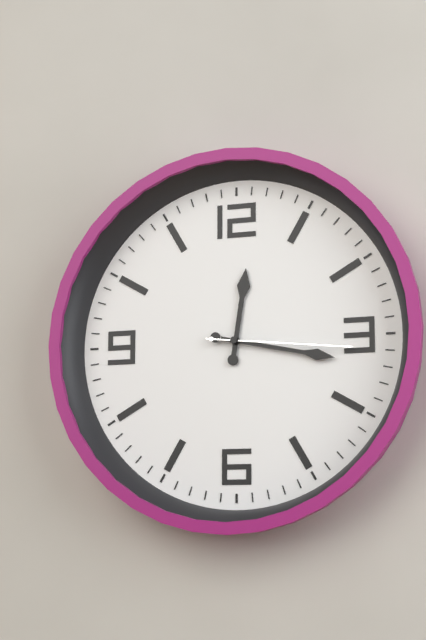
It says 12:17:16
